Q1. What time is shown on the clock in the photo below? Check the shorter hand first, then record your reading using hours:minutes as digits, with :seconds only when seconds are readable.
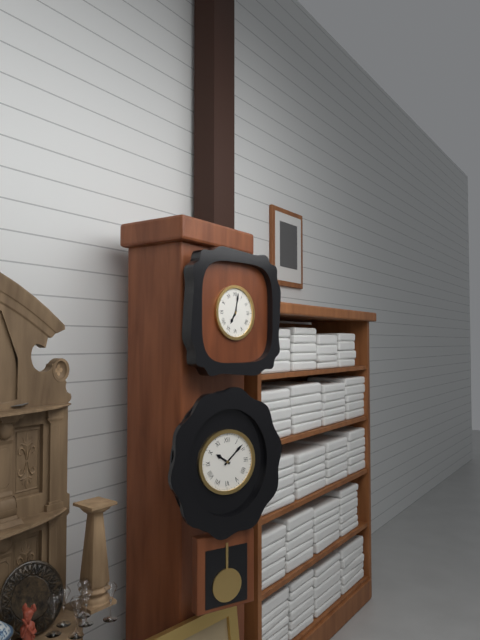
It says 7:02
